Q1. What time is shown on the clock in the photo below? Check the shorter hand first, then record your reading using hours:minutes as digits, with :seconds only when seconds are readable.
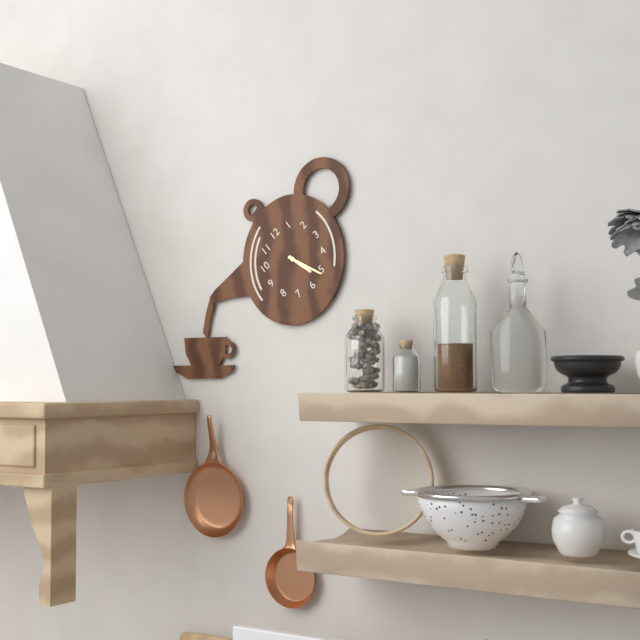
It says 5:26
